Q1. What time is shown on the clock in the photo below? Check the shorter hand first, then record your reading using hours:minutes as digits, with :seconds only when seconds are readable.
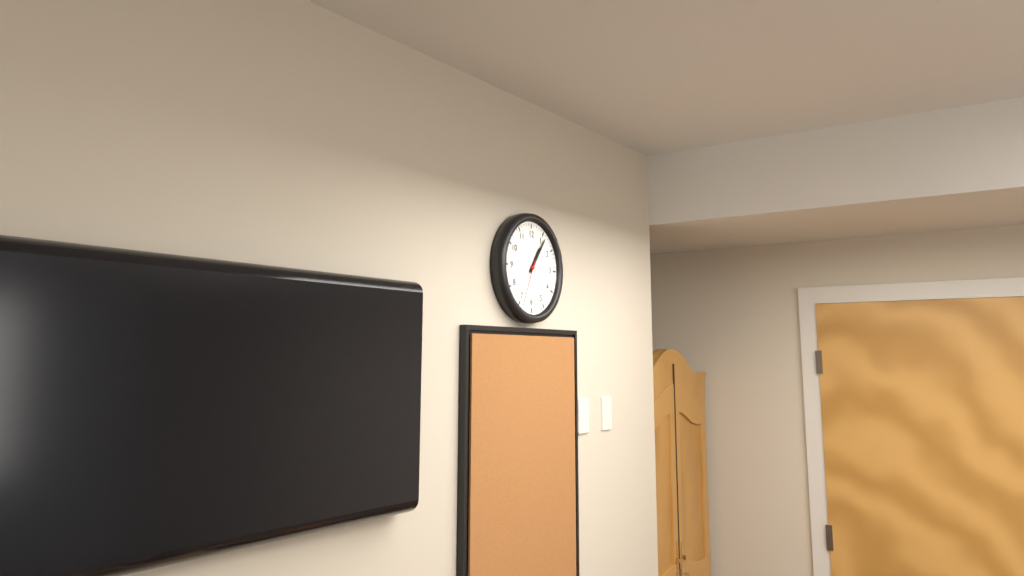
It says 1:06
